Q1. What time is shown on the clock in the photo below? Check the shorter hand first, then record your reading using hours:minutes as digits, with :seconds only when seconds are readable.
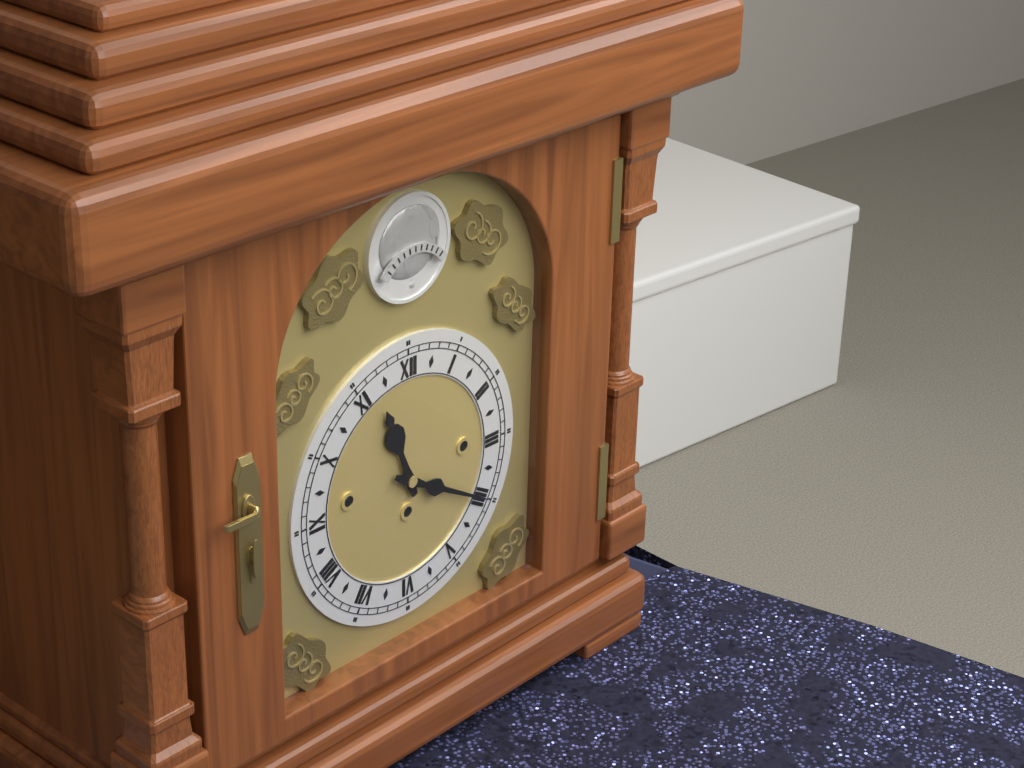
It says 11:20
